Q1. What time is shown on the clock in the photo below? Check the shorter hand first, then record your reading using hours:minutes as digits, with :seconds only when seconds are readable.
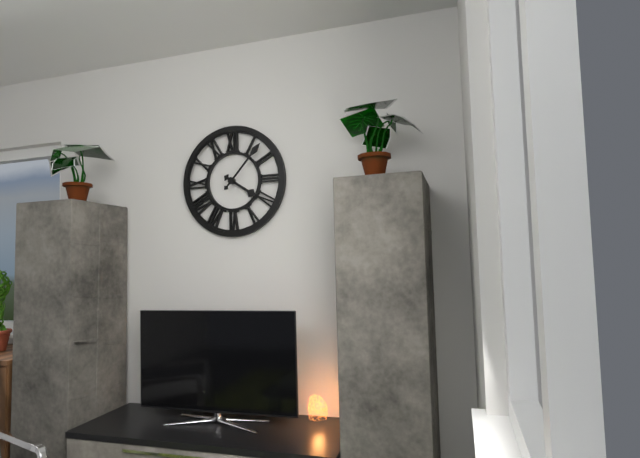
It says 4:07
